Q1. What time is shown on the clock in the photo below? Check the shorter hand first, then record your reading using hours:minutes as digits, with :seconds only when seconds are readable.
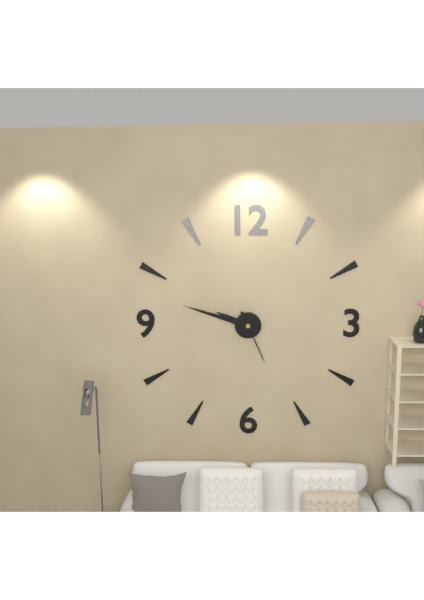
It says 9:48:26
